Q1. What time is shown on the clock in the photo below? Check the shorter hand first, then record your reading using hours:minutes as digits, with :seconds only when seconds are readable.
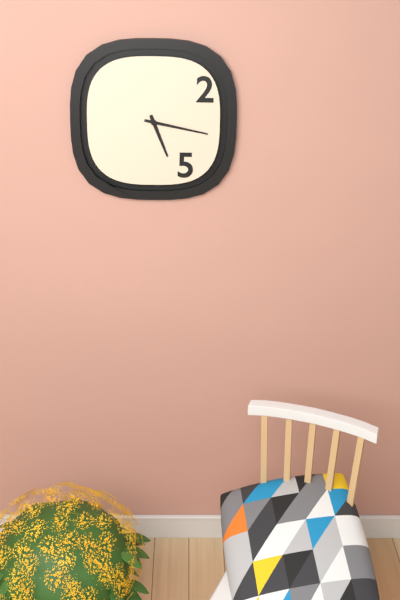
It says 5:17
